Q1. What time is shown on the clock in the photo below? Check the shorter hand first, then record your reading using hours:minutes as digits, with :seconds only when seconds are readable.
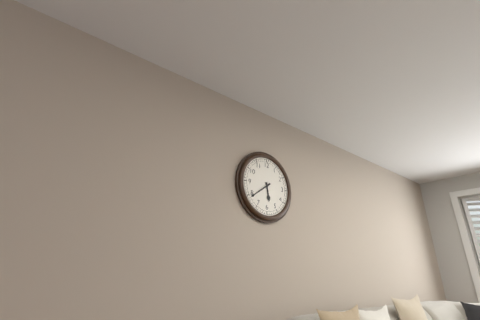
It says 5:39
